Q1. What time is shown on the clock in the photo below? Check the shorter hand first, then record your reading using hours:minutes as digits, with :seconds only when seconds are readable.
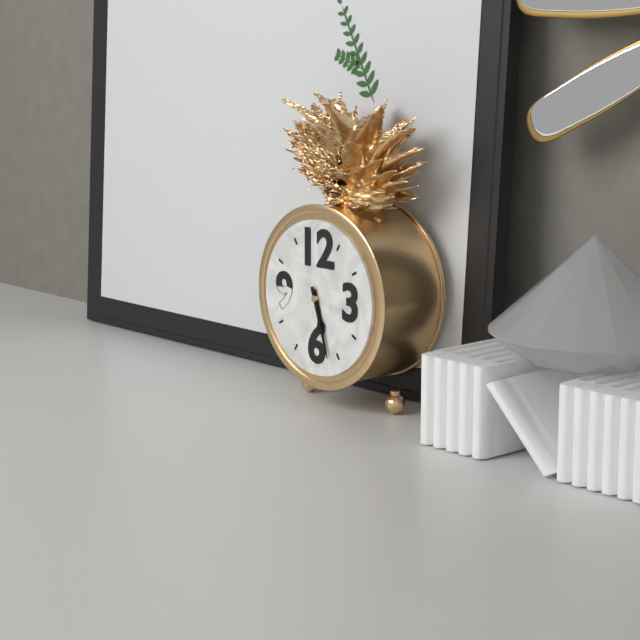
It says 5:27
